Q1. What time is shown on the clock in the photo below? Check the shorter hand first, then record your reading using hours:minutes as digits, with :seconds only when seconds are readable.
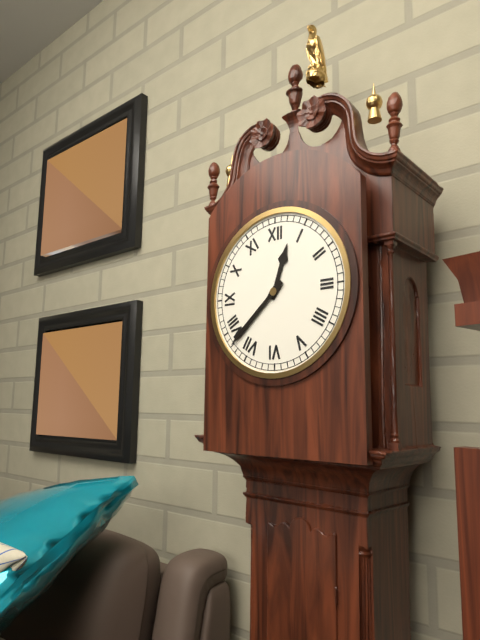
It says 12:38
